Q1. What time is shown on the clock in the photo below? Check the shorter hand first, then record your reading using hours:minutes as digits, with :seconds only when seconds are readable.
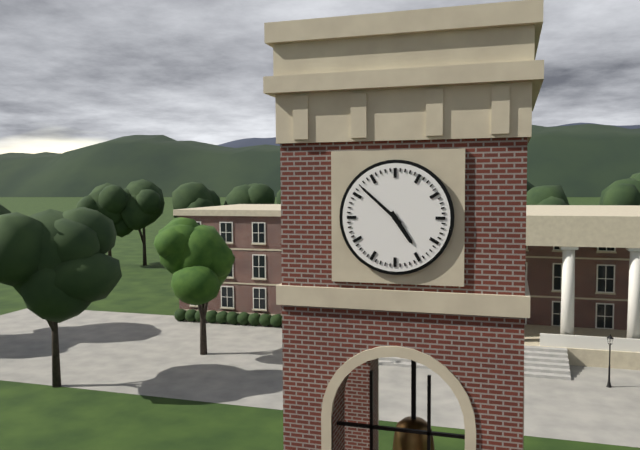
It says 4:52
